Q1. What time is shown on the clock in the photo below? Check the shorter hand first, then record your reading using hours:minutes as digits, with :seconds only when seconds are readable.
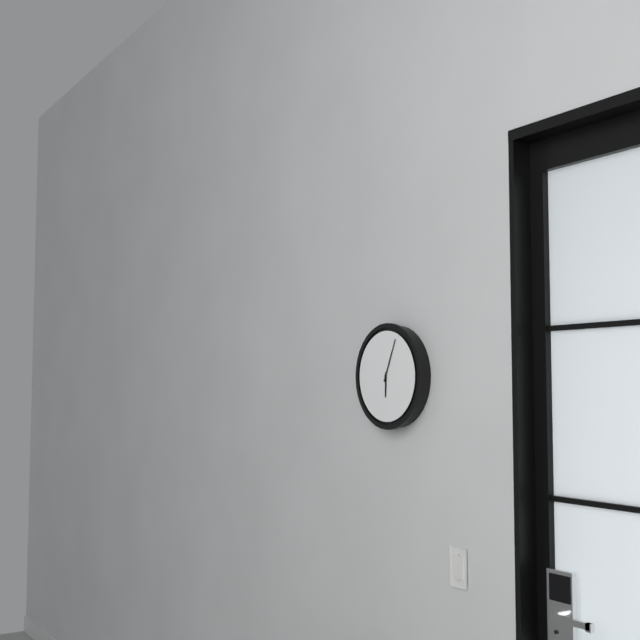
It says 6:04
